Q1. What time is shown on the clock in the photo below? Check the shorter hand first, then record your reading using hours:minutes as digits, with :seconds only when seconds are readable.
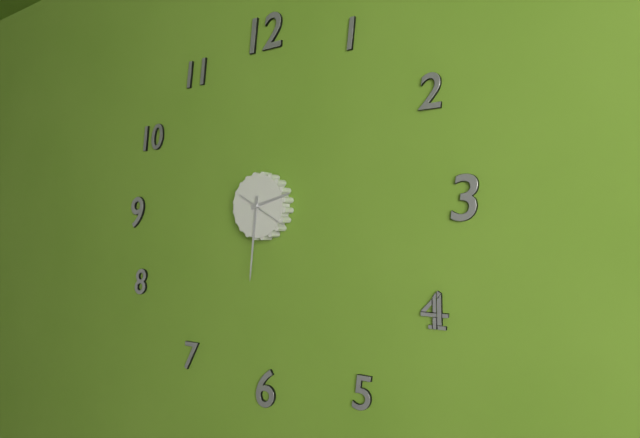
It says 2:31
